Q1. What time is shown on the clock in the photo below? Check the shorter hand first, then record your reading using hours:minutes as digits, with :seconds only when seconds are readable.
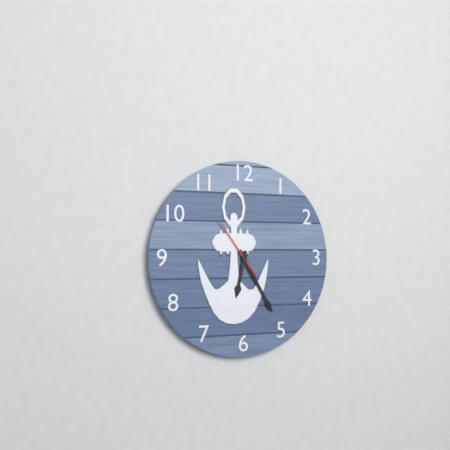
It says 6:25:54
